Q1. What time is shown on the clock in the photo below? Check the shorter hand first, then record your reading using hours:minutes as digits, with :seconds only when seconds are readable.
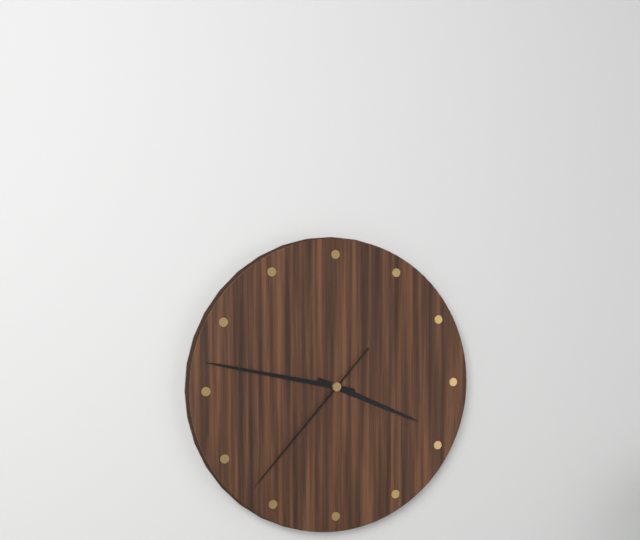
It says 3:47:37
